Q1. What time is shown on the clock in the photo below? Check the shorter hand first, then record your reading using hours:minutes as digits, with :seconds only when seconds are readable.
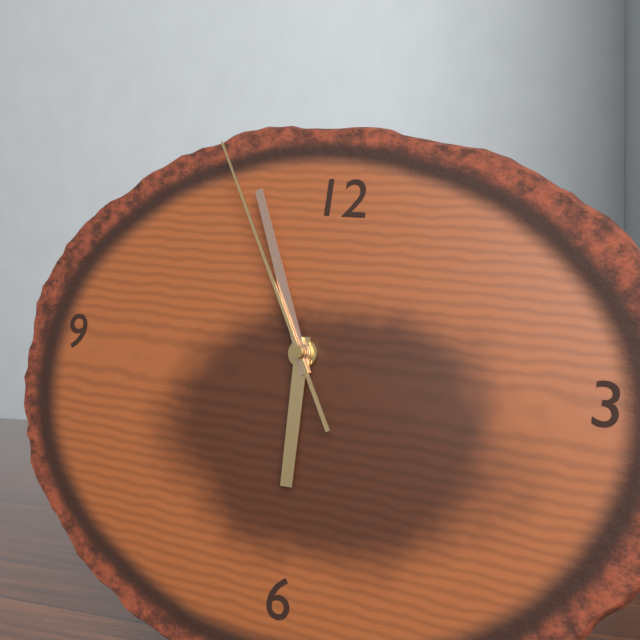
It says 5:56:55
